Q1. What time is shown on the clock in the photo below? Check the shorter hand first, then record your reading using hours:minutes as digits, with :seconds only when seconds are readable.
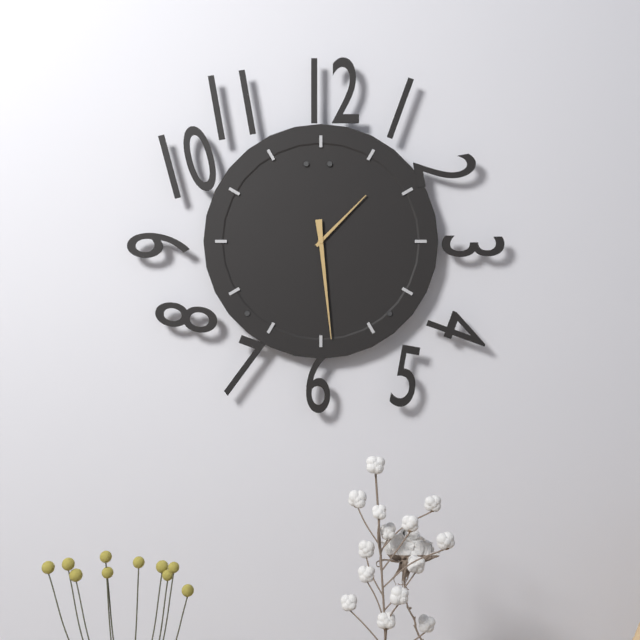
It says 1:29
